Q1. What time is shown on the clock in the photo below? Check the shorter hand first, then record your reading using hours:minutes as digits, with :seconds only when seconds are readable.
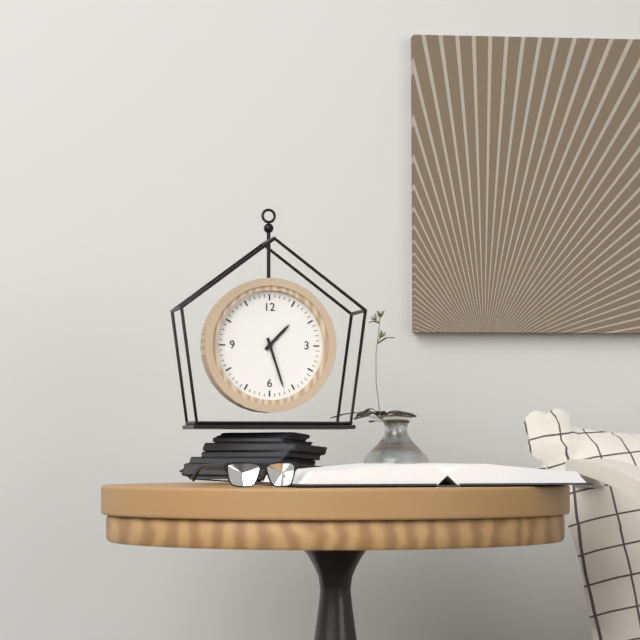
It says 1:27
